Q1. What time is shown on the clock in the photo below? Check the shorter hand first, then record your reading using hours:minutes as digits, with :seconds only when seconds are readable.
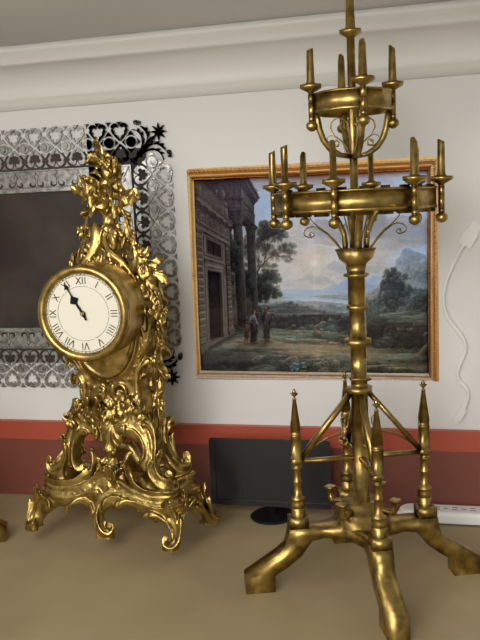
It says 10:55
